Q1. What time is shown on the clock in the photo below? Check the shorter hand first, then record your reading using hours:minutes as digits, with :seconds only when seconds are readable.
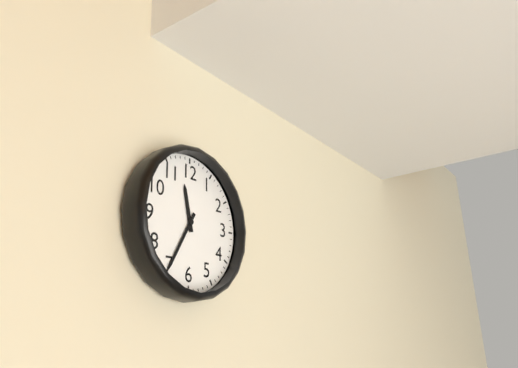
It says 11:35
